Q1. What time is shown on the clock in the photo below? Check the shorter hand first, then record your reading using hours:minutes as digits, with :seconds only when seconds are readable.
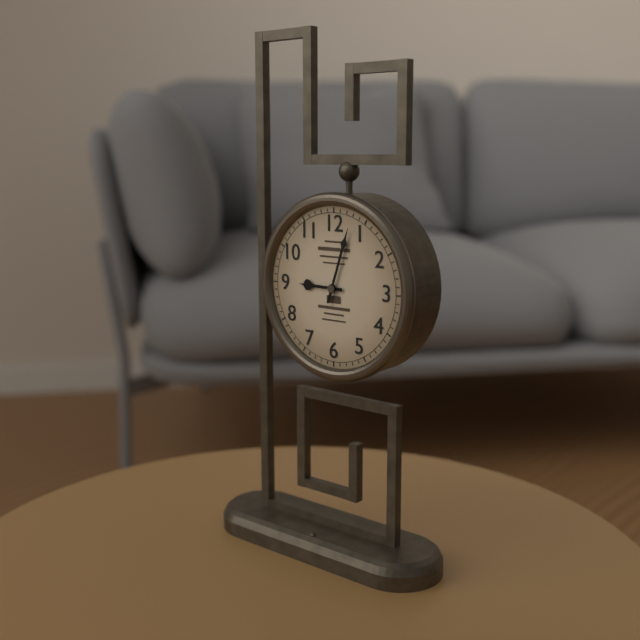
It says 9:03
